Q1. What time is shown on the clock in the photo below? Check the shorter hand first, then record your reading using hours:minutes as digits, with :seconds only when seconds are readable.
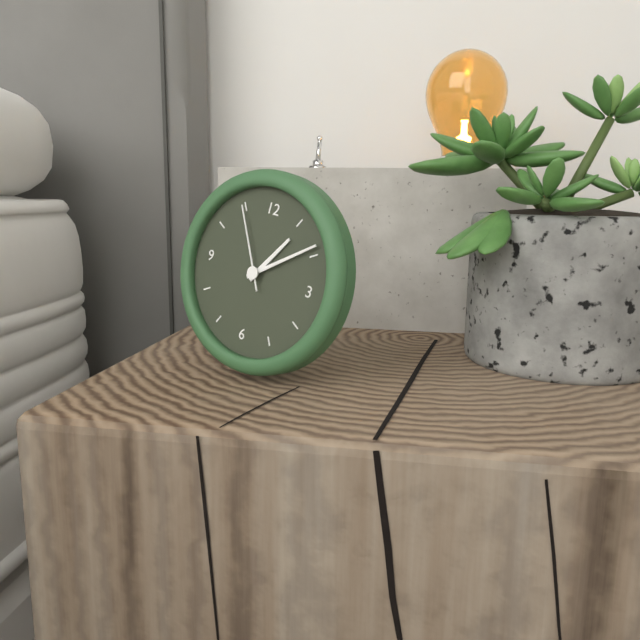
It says 1:09:55
